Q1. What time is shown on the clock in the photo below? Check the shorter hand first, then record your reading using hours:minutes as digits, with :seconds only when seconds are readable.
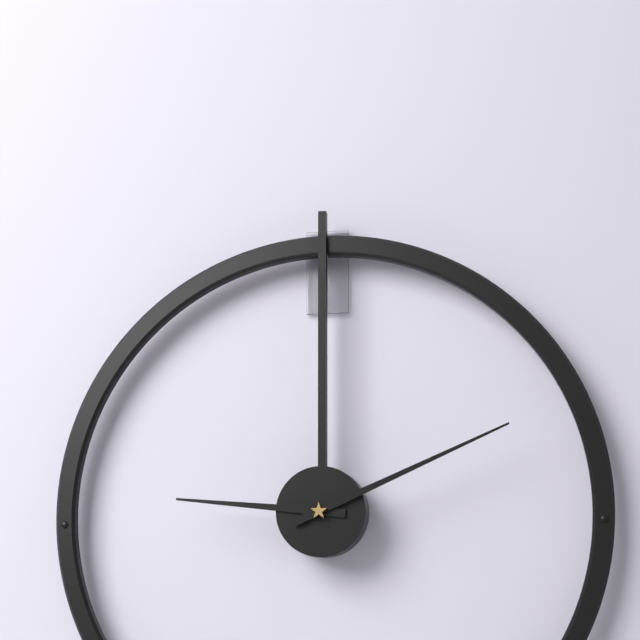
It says 9:11
